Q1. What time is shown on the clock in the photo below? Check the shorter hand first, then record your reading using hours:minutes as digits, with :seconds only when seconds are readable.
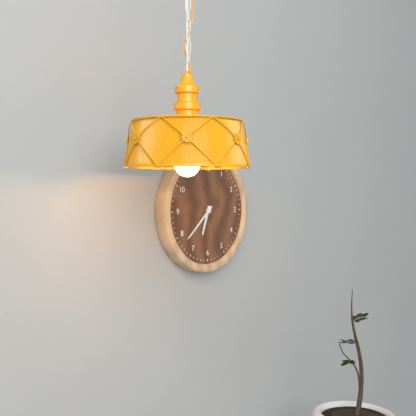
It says 6:38
